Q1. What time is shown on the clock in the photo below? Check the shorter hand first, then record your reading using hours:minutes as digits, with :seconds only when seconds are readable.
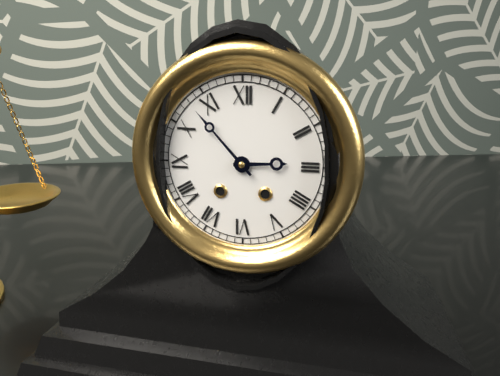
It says 2:53
